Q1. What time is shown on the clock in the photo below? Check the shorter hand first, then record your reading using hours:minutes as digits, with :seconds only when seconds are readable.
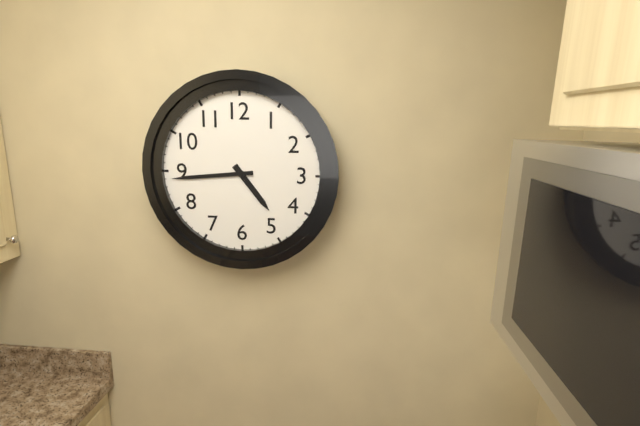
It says 4:44
